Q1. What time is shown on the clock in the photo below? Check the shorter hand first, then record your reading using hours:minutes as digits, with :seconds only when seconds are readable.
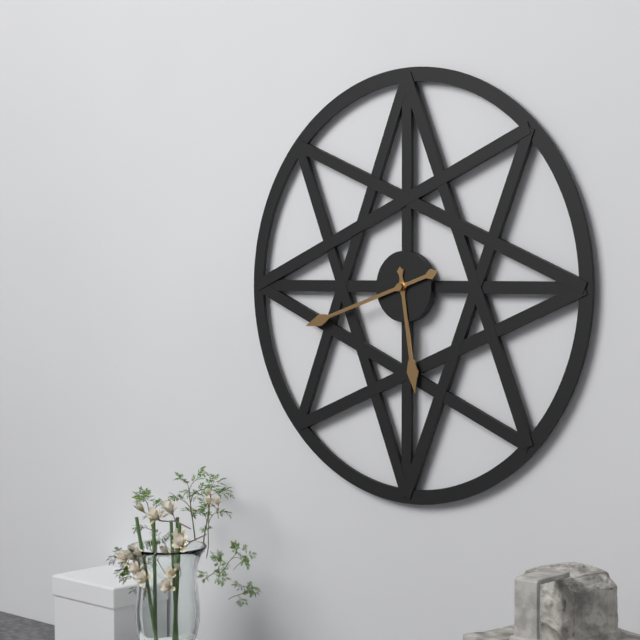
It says 5:42
